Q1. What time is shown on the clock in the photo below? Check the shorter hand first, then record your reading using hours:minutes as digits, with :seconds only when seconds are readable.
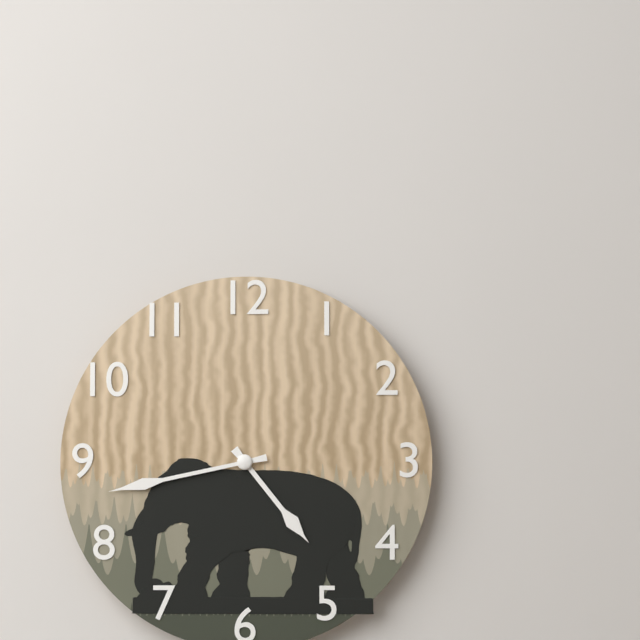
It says 4:43
